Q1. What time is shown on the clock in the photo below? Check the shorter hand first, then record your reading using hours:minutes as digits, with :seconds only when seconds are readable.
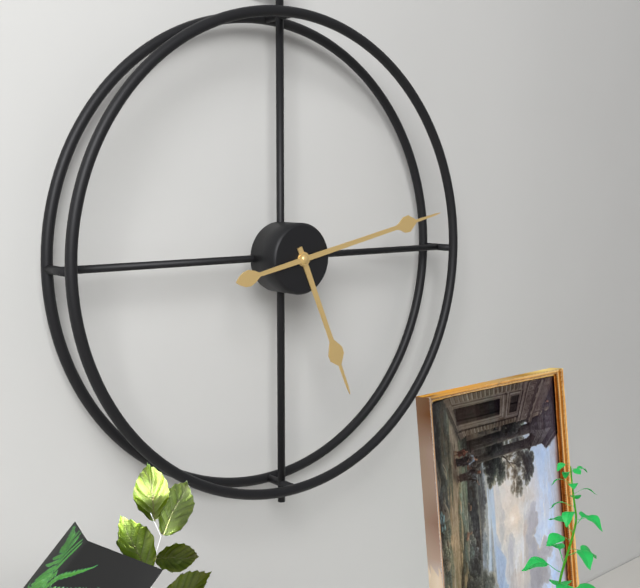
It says 5:13
